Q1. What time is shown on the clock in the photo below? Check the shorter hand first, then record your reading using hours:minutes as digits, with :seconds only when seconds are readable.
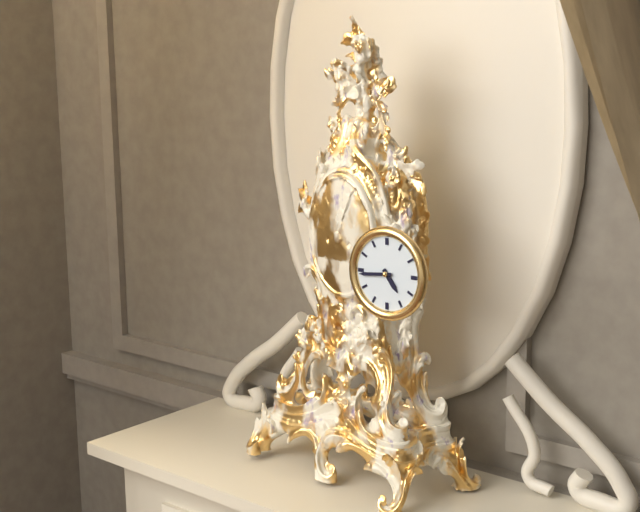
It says 4:44
